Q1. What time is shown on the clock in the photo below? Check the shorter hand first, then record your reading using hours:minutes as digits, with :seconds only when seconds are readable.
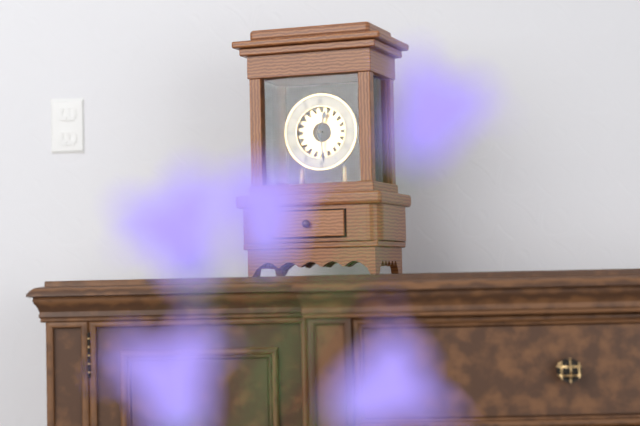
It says 12:29
